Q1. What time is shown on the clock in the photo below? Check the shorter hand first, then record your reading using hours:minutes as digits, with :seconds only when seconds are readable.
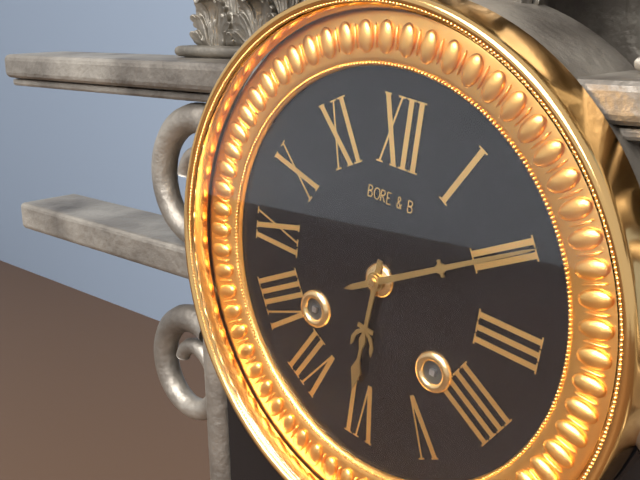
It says 6:10
